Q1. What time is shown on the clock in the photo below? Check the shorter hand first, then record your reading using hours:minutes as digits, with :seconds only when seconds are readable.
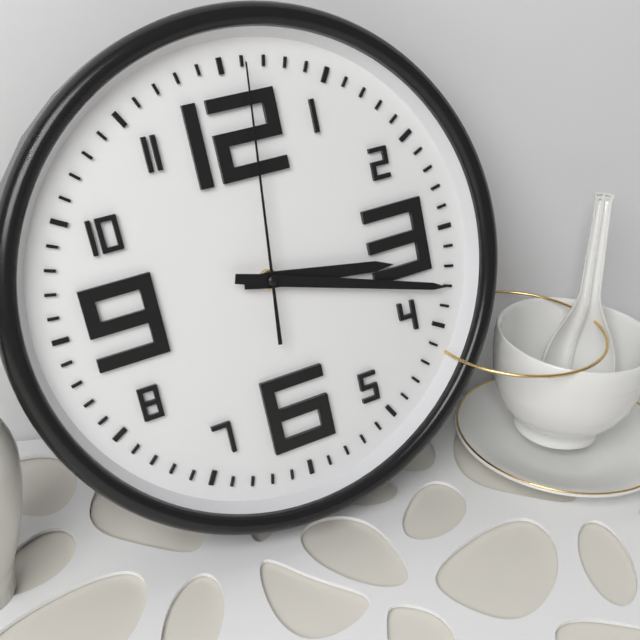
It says 3:18:01
